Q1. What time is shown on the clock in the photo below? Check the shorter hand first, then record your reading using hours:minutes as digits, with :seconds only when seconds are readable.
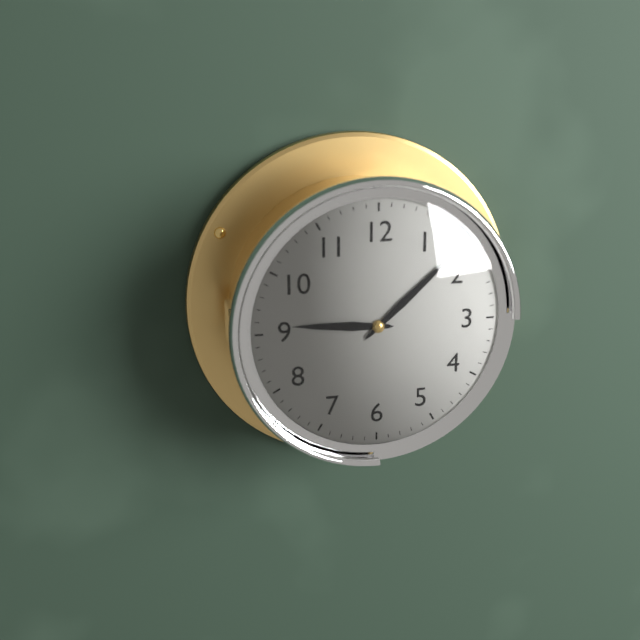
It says 9:08
